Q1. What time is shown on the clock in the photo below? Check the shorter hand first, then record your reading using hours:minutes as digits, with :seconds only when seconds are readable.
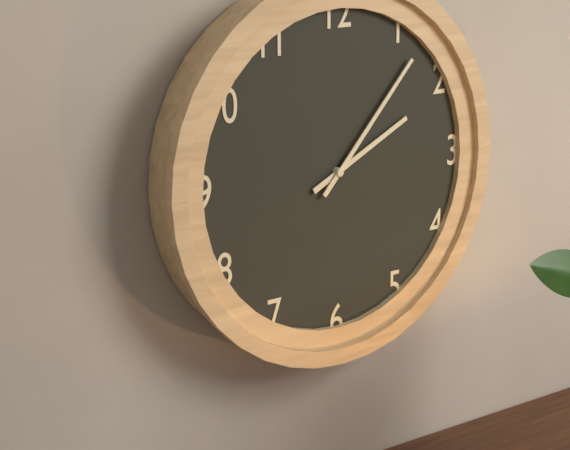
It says 2:07
